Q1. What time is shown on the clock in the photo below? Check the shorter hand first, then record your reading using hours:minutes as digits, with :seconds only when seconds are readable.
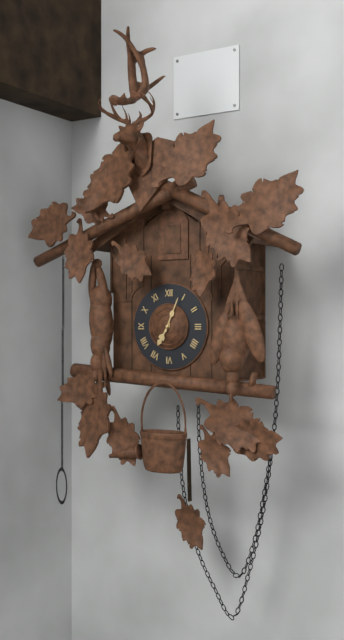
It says 7:04
